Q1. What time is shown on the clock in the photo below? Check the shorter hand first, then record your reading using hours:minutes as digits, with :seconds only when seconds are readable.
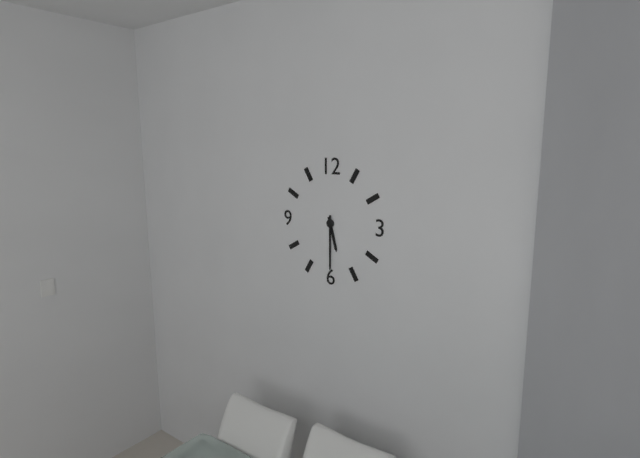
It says 5:30
